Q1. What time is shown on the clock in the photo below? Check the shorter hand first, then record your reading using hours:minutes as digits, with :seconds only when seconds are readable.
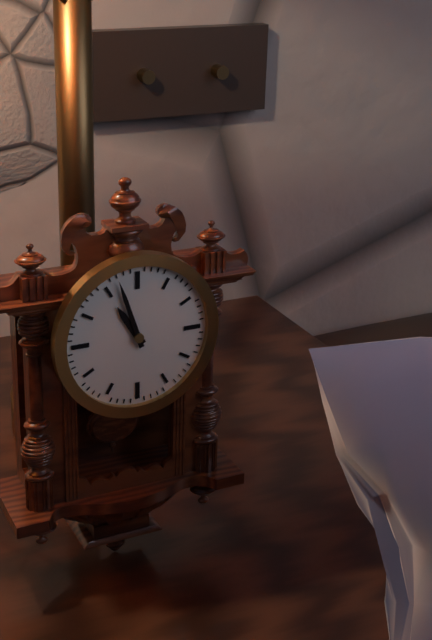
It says 10:57
